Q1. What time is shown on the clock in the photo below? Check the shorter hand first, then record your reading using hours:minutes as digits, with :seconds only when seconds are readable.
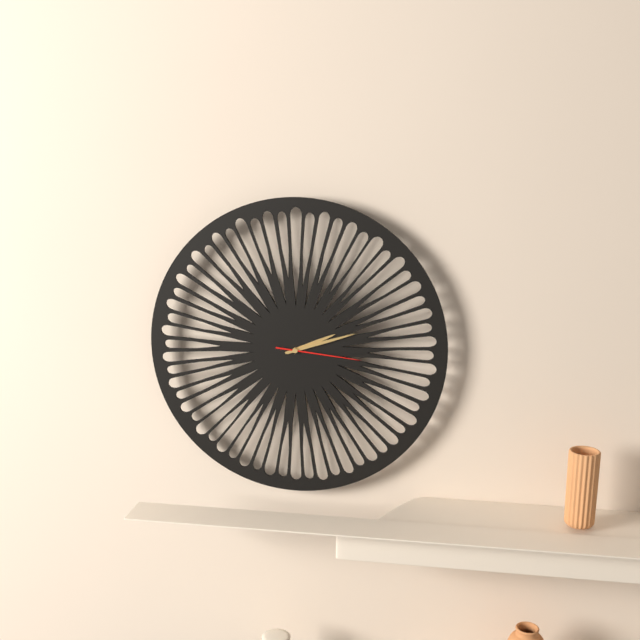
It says 2:12:16
